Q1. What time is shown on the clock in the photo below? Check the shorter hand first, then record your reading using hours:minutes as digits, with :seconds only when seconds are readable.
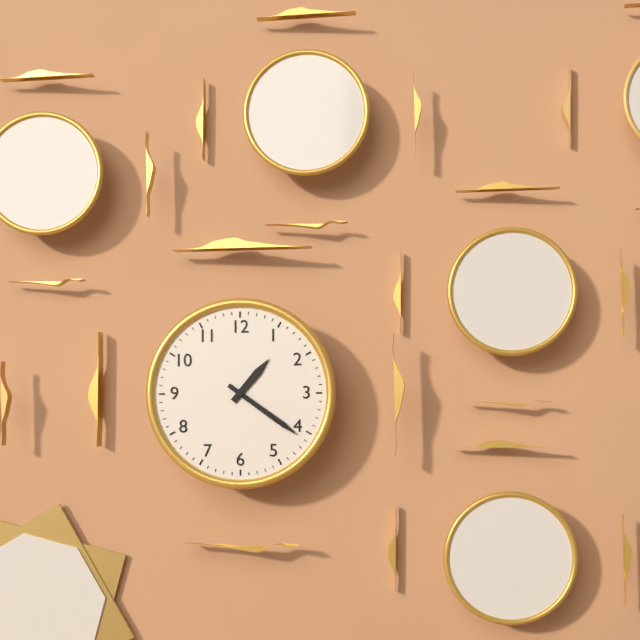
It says 1:21
